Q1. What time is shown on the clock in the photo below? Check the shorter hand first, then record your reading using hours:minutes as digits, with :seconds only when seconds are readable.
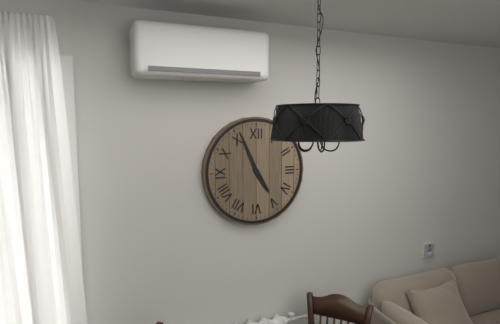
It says 4:56
